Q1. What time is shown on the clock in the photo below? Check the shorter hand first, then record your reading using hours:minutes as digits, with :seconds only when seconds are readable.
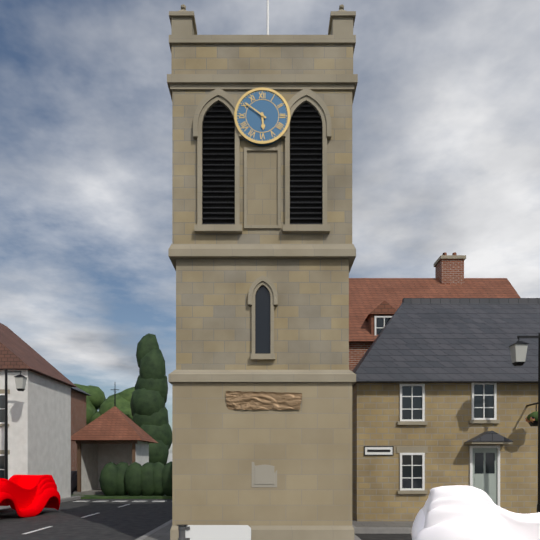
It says 5:51
